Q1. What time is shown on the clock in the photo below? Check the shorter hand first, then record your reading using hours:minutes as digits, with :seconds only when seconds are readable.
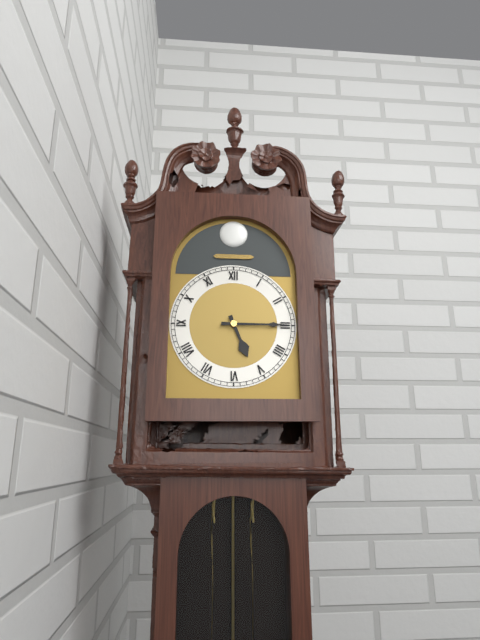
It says 5:15
